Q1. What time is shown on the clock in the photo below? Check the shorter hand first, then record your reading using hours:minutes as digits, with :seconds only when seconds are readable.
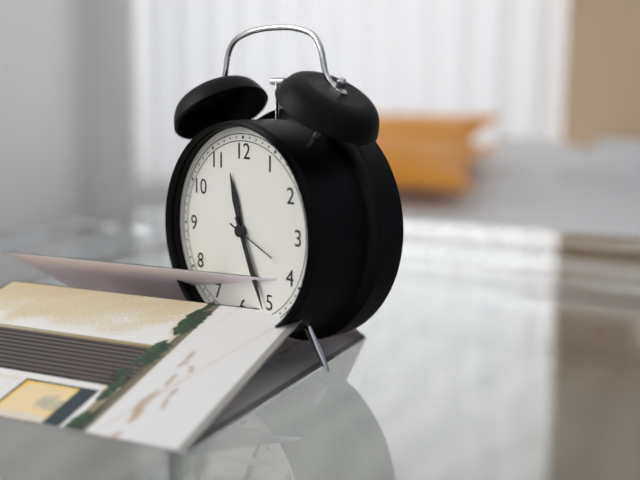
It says 11:26:19
